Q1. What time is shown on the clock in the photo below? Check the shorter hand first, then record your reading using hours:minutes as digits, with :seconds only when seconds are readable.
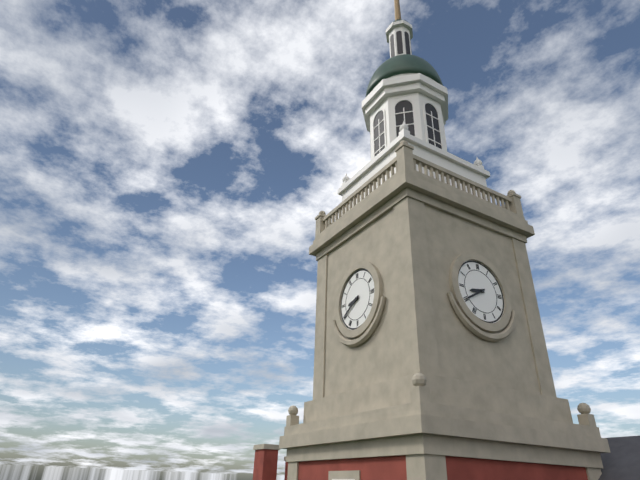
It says 8:40
